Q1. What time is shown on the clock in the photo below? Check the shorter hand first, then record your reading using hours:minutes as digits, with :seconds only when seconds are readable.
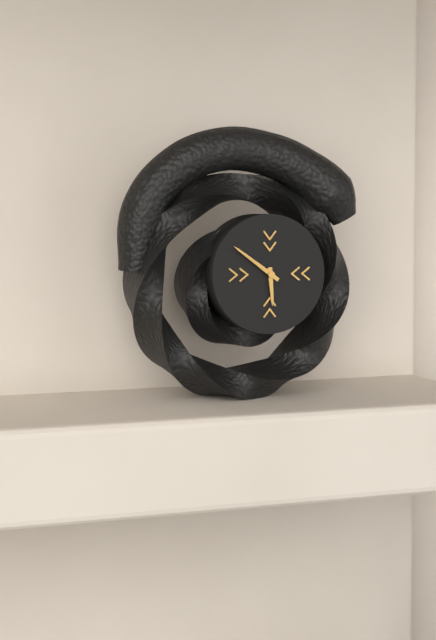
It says 5:51
